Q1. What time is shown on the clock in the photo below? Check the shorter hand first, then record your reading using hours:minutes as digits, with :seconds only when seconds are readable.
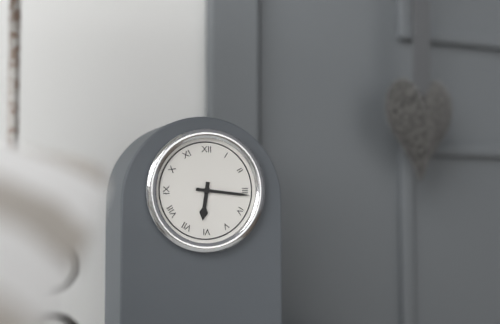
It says 6:16
